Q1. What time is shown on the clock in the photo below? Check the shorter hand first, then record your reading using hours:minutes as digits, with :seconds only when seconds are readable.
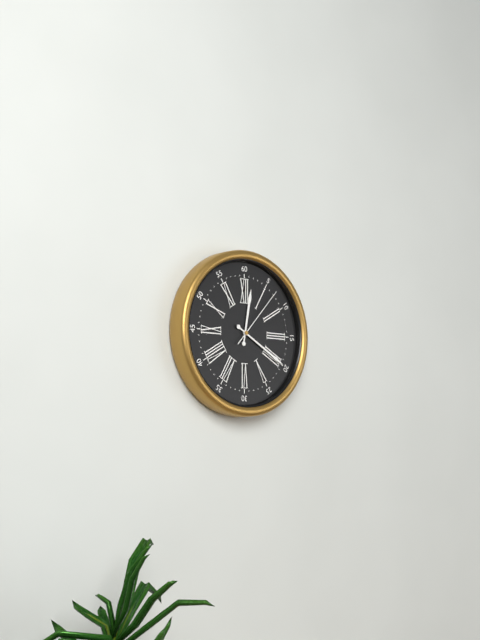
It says 12:20:07
